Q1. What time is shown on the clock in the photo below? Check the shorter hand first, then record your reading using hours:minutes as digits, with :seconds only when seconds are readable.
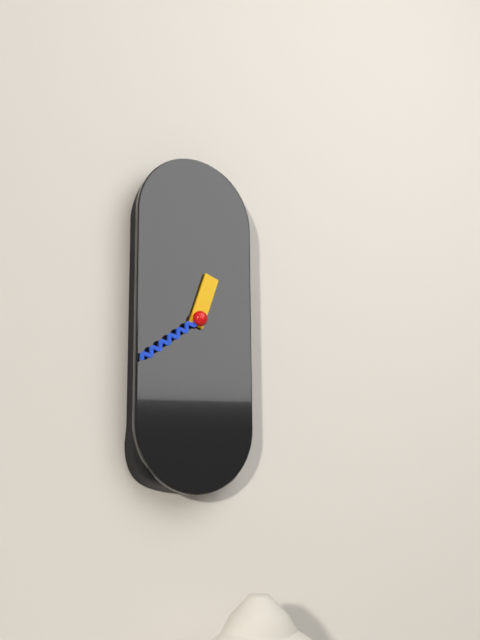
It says 12:39
